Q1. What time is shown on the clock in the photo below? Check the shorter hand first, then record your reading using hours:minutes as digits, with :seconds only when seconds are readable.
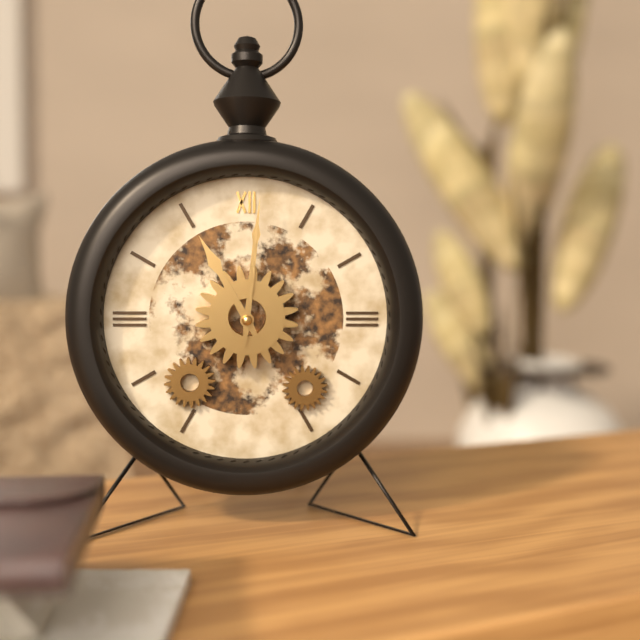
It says 11:01
